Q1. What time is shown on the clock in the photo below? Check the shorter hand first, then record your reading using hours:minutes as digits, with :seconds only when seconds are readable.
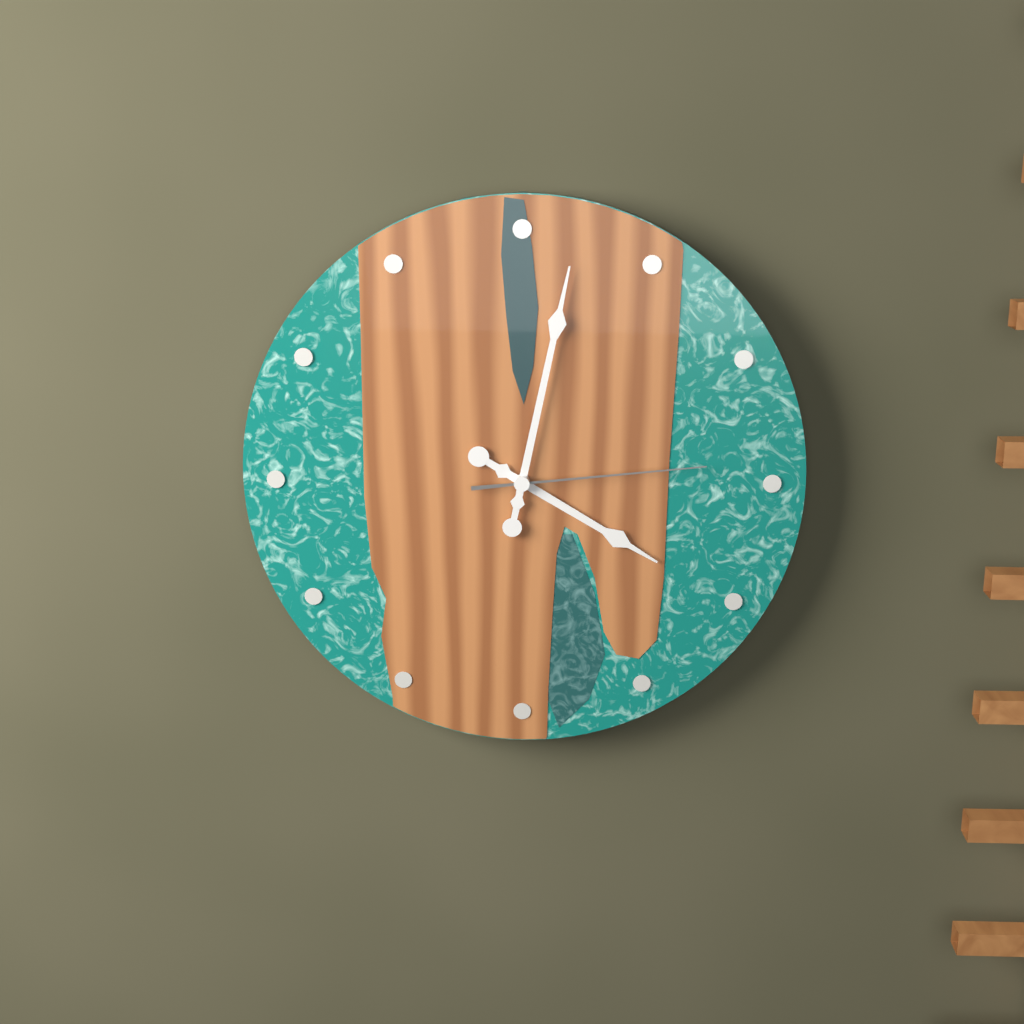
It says 4:02:14
